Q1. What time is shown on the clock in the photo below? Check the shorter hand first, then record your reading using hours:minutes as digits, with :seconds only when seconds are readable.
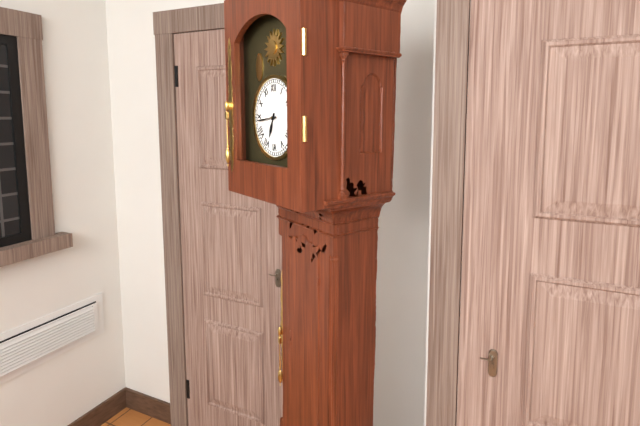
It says 6:44
